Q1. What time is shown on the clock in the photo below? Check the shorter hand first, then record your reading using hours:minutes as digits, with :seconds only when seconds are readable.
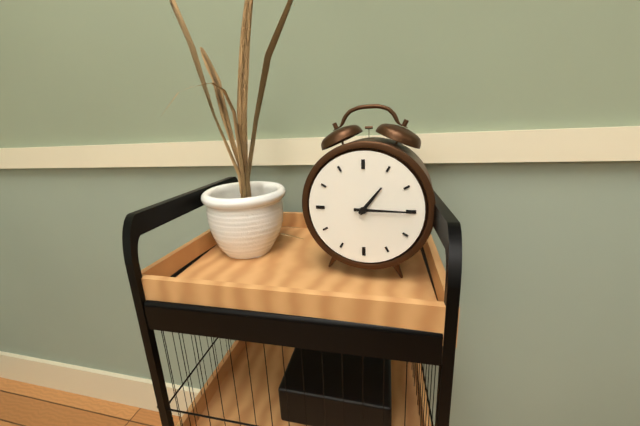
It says 1:15
